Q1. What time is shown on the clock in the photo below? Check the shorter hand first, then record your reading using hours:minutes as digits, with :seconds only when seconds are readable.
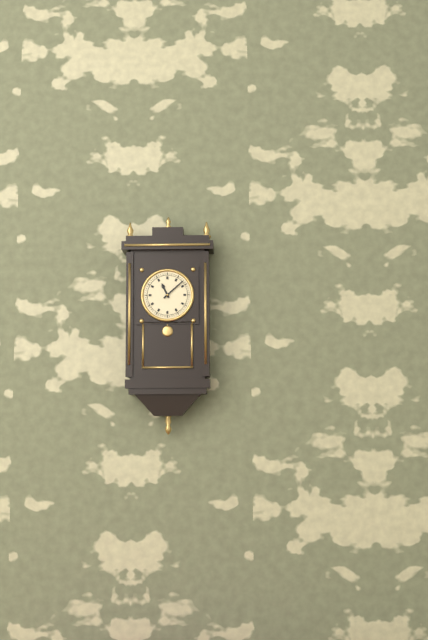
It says 11:08
